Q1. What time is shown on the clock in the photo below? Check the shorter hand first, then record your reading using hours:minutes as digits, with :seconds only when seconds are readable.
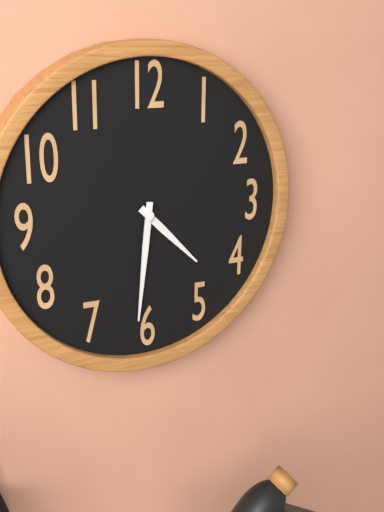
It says 4:31
